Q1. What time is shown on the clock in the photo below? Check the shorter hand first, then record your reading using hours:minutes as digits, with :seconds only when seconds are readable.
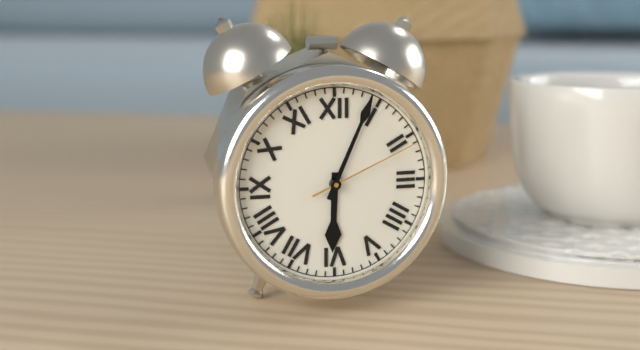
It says 6:04:11
